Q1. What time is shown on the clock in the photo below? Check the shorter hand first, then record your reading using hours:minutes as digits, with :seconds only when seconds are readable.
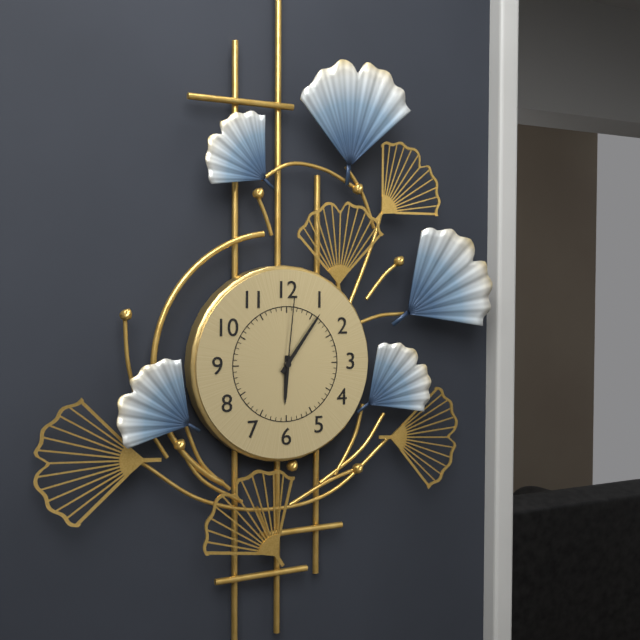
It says 6:06:01
